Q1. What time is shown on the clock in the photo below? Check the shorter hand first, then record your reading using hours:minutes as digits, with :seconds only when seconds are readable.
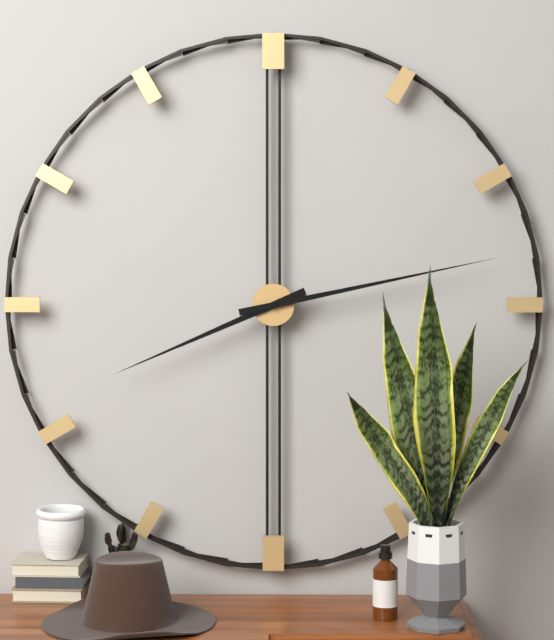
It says 8:13
